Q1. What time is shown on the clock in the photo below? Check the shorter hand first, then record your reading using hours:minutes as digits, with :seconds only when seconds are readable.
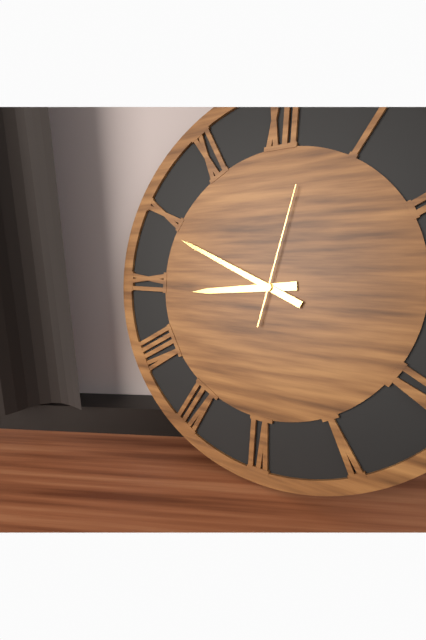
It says 8:49:02
